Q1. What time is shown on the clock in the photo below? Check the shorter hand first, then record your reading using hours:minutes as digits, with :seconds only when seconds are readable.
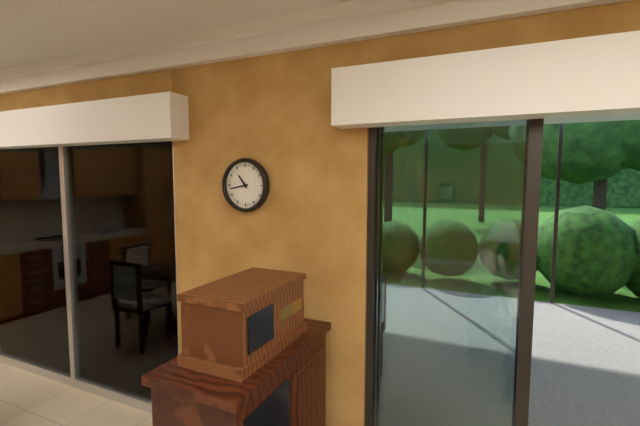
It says 10:43
